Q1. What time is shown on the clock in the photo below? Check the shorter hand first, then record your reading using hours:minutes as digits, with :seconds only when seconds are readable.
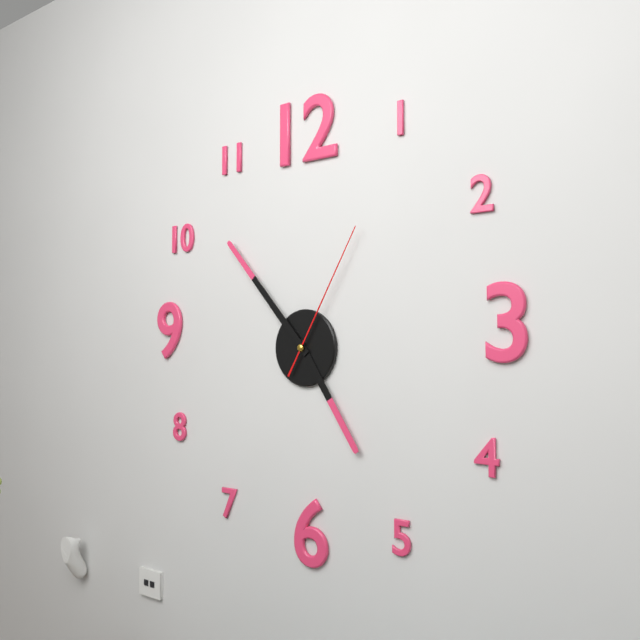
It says 4:53:05
